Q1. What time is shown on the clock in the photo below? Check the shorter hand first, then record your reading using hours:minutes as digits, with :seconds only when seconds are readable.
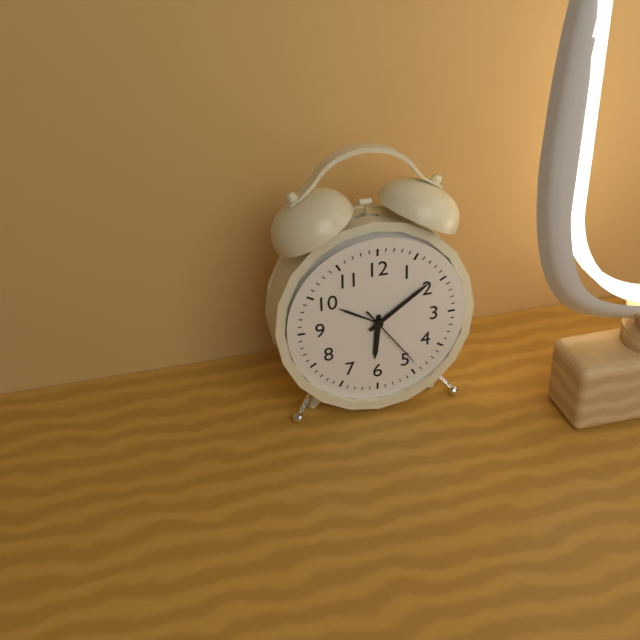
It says 6:09:24
